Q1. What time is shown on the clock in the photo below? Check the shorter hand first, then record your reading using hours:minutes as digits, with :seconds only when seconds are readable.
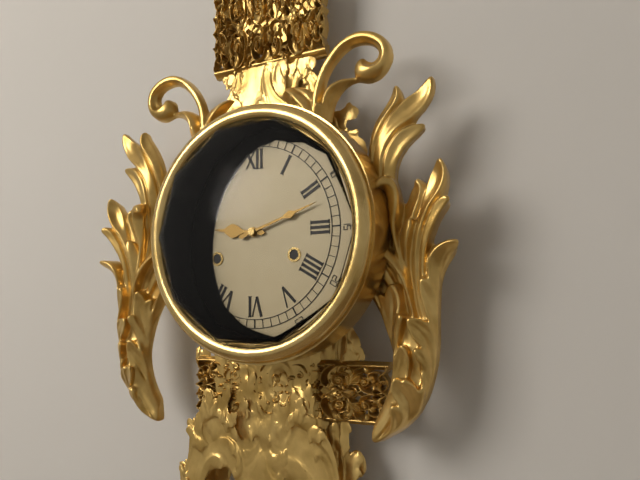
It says 9:12
